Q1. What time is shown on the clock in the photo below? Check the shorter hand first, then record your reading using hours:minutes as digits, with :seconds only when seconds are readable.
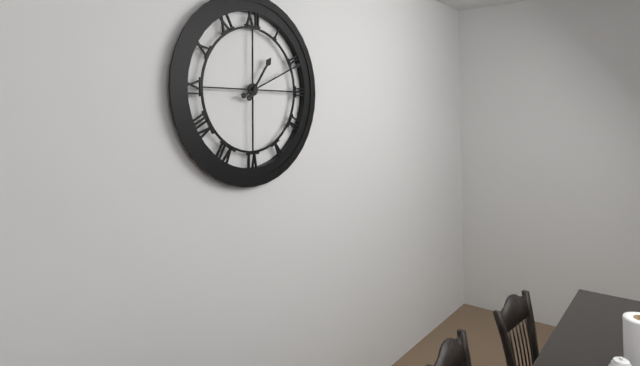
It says 1:11
